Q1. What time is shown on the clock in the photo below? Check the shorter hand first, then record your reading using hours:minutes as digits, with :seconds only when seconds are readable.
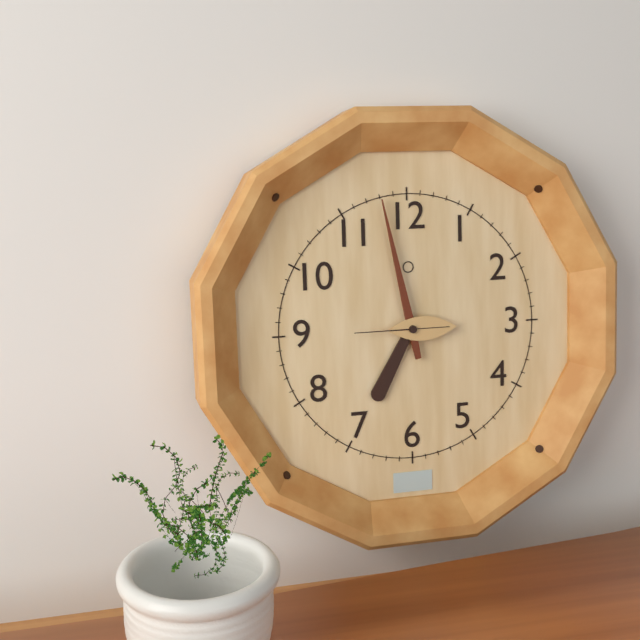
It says 6:58:45
